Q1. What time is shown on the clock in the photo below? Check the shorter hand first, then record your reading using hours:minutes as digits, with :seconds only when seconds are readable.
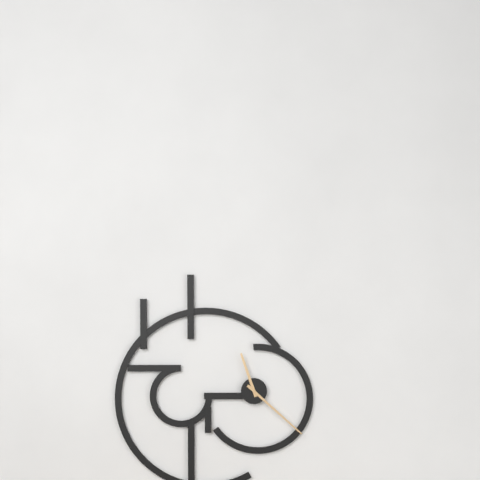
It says 11:22
